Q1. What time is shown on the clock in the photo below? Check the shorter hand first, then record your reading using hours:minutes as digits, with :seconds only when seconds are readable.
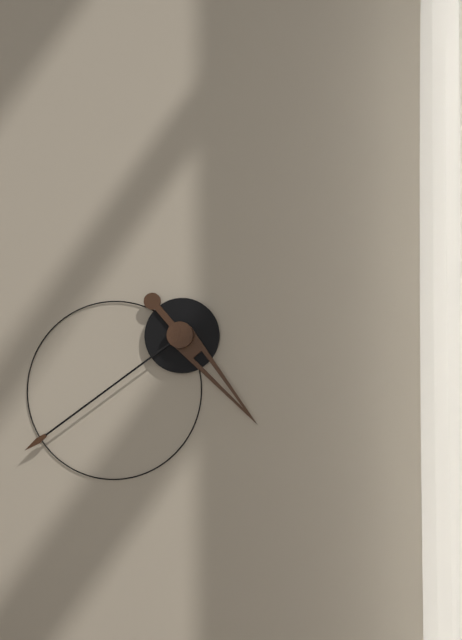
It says 4:39
